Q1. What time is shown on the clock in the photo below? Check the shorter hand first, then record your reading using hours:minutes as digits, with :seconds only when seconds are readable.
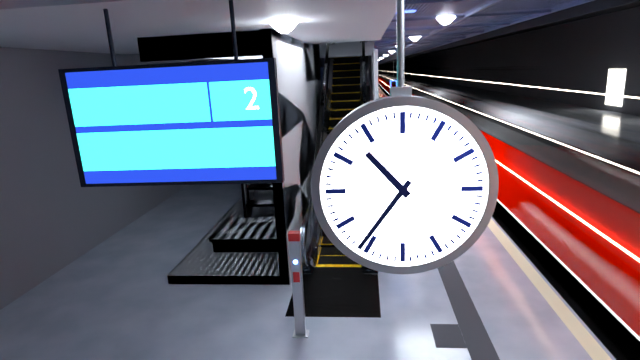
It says 10:36
